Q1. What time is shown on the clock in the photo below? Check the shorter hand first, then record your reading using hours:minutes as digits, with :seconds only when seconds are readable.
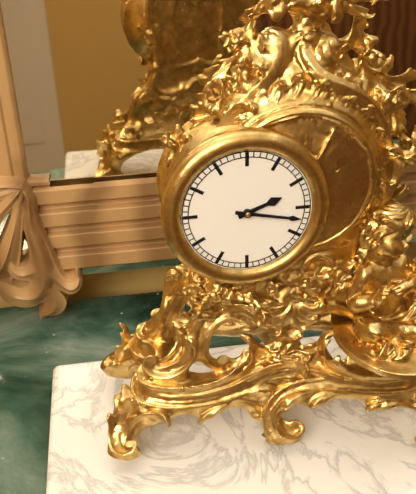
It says 2:17
